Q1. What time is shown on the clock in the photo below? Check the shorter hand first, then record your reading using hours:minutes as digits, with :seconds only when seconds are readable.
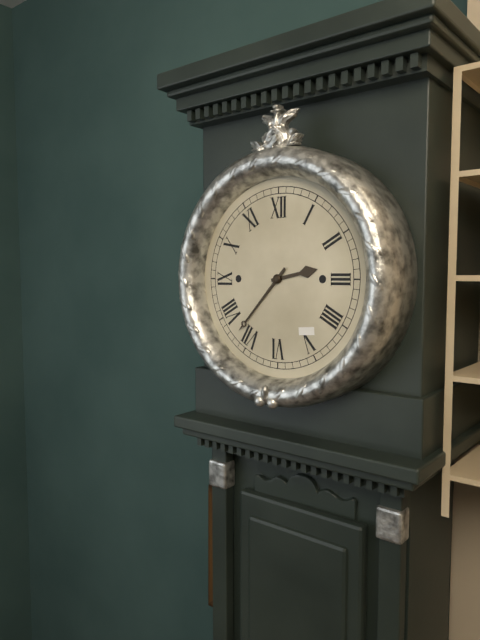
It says 2:37
